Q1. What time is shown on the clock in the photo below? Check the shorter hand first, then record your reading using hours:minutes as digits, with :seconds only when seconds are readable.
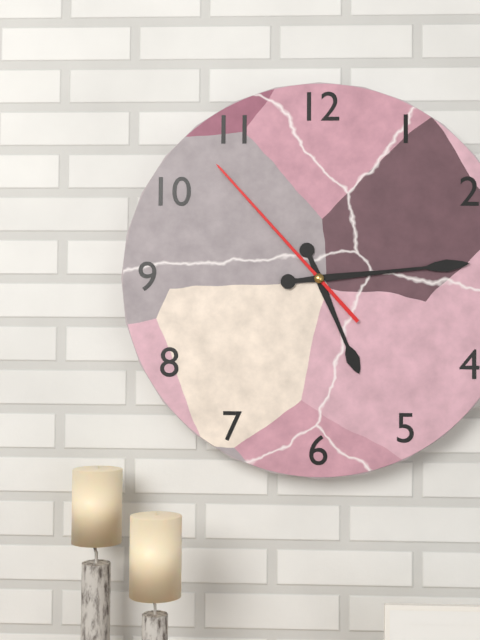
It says 5:14:53
